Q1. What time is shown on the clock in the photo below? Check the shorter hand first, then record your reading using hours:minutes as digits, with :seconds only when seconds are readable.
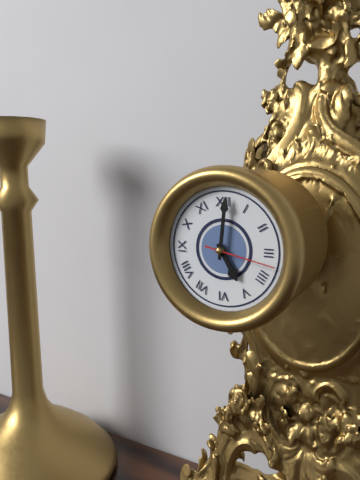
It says 5:01:17
